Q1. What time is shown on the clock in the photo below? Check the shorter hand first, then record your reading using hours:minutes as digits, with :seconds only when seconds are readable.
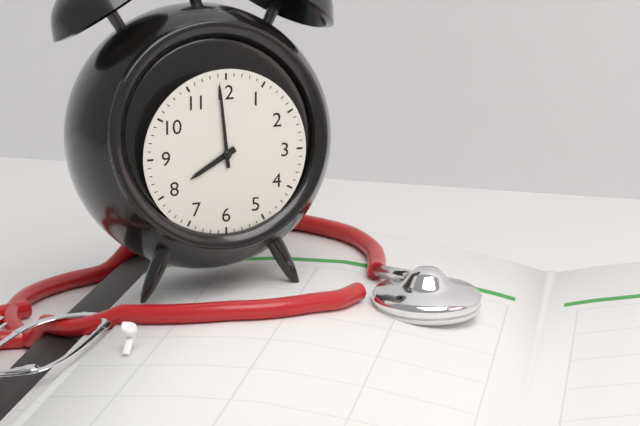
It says 7:59
